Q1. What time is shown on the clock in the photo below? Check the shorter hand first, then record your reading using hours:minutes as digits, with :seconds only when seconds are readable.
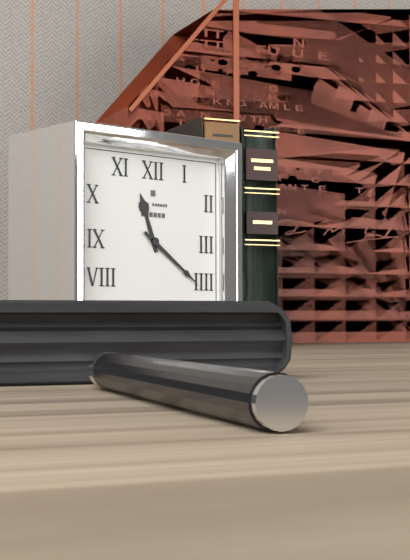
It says 11:21
